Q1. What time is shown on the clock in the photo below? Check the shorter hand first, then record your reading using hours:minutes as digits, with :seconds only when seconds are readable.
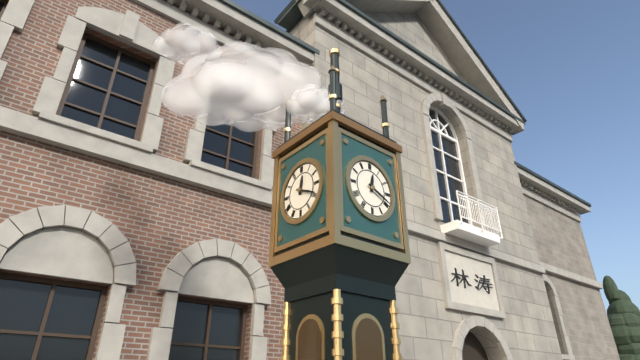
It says 12:19
